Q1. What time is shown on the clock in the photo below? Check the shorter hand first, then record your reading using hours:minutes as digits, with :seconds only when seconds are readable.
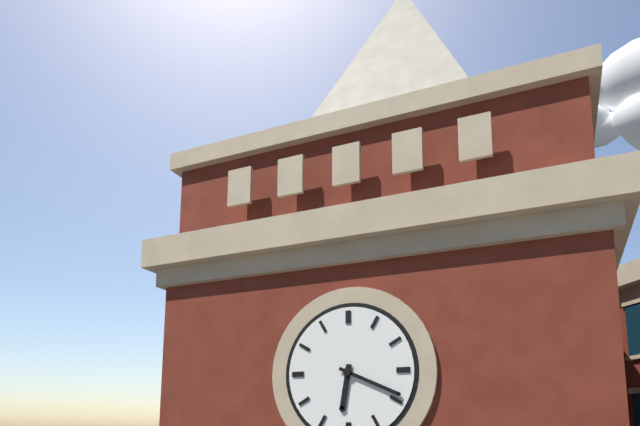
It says 6:19
